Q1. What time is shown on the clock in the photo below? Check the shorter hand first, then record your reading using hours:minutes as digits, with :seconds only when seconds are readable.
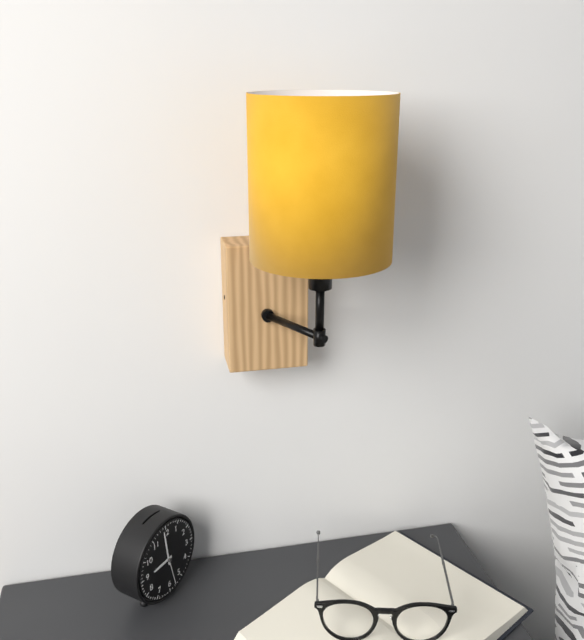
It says 8:59
